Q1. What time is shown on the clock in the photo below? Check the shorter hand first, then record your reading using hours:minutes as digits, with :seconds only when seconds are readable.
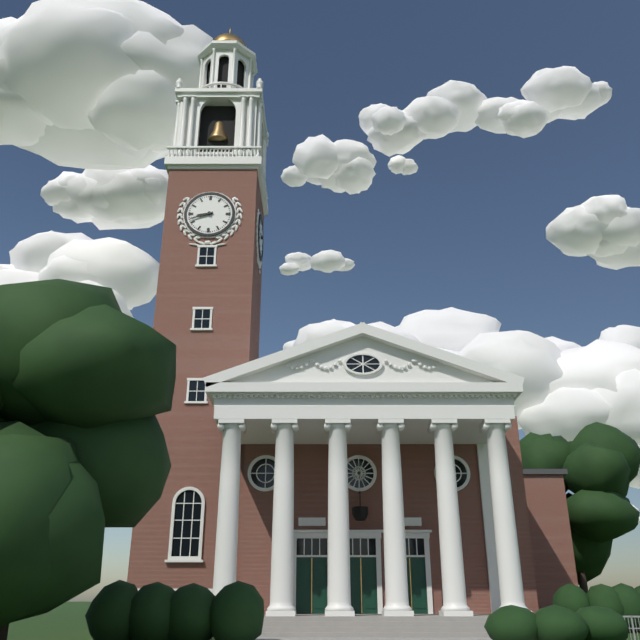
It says 8:42
